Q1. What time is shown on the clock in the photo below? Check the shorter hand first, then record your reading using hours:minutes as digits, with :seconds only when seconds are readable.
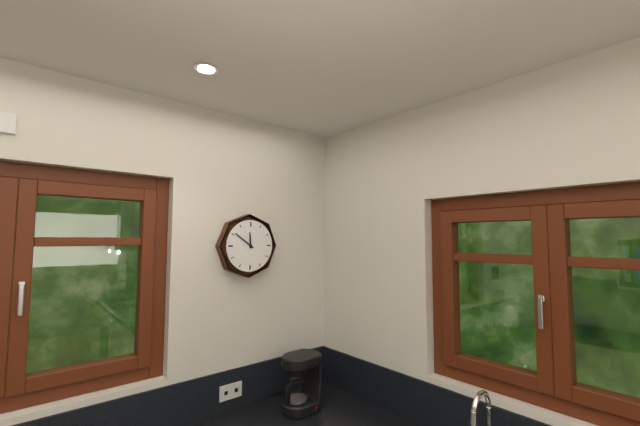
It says 11:51
